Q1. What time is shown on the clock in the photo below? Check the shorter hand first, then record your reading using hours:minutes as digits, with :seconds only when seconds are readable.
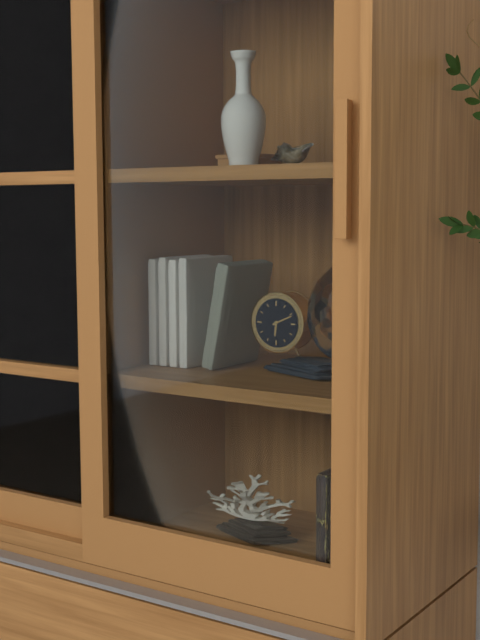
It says 6:11
